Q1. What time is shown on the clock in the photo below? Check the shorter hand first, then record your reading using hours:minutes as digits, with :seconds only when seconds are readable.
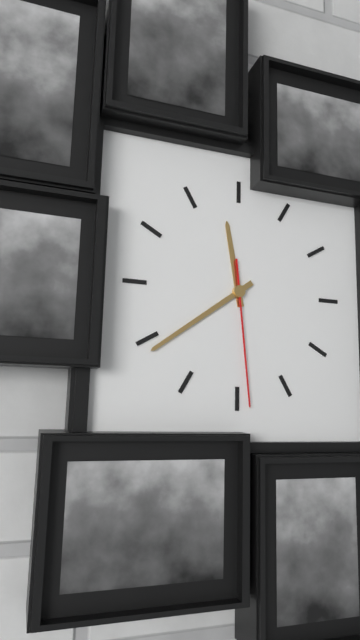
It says 11:39:29
